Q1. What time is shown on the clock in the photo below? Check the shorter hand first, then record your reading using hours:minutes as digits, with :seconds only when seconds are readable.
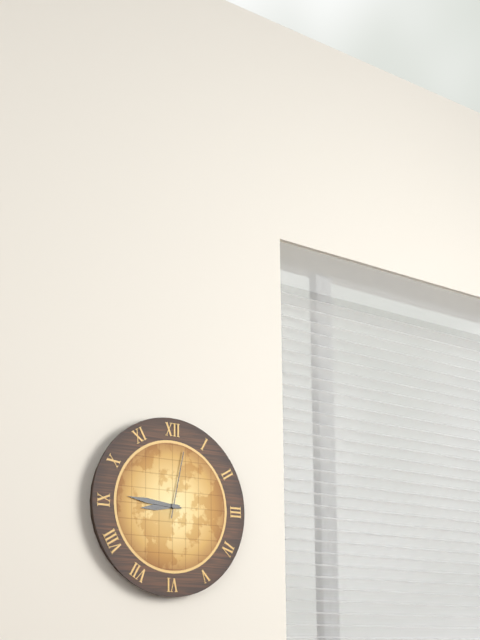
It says 8:46:02
